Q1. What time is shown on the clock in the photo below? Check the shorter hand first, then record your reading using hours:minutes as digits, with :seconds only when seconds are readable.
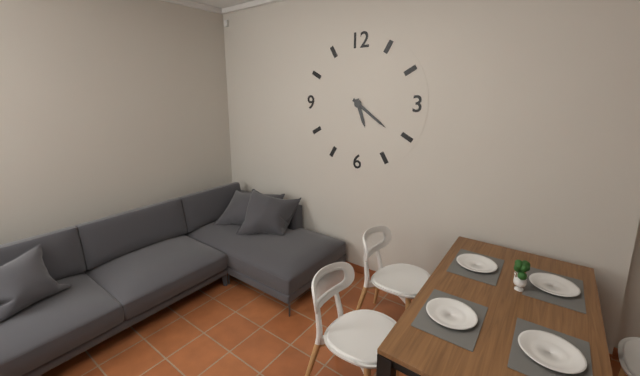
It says 5:21
